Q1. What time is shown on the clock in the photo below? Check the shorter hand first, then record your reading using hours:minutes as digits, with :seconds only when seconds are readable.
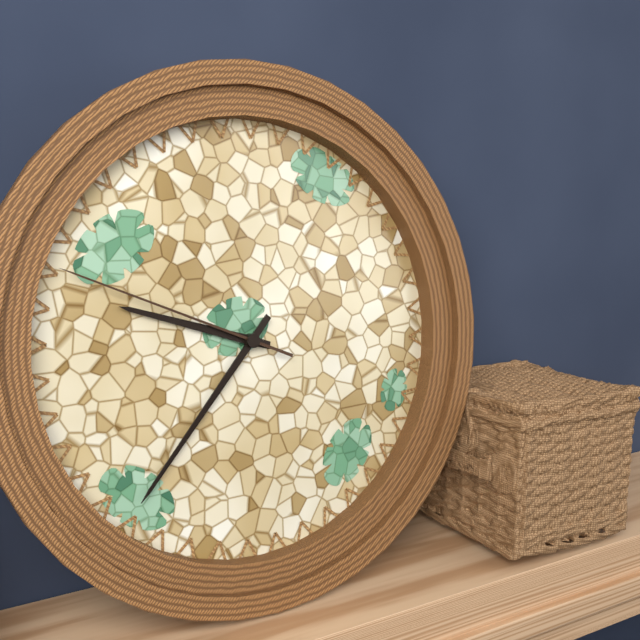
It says 9:37:49
